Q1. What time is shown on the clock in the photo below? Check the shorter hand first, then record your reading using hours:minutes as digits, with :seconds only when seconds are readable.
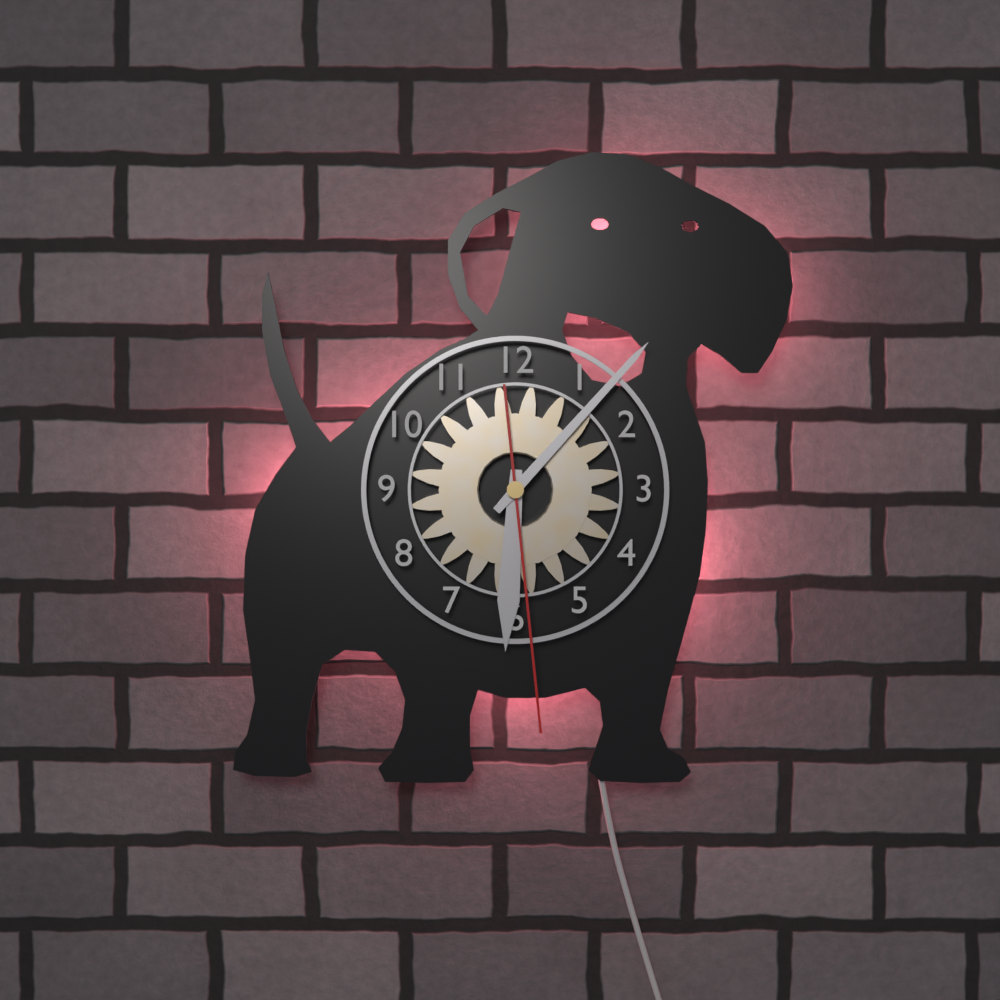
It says 6:07:29
